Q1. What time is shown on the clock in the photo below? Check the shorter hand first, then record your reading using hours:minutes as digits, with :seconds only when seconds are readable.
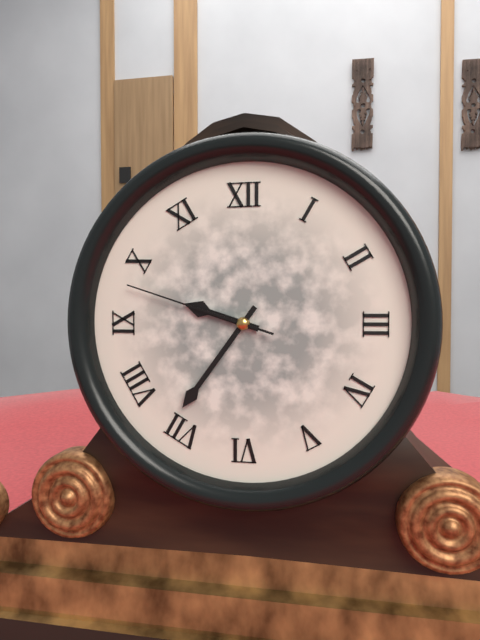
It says 9:36:48
